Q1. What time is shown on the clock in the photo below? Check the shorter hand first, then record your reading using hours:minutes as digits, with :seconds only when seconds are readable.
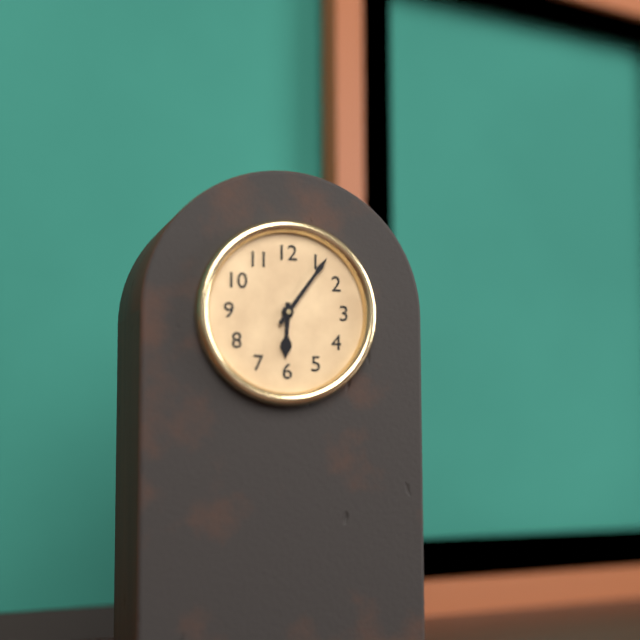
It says 6:06
